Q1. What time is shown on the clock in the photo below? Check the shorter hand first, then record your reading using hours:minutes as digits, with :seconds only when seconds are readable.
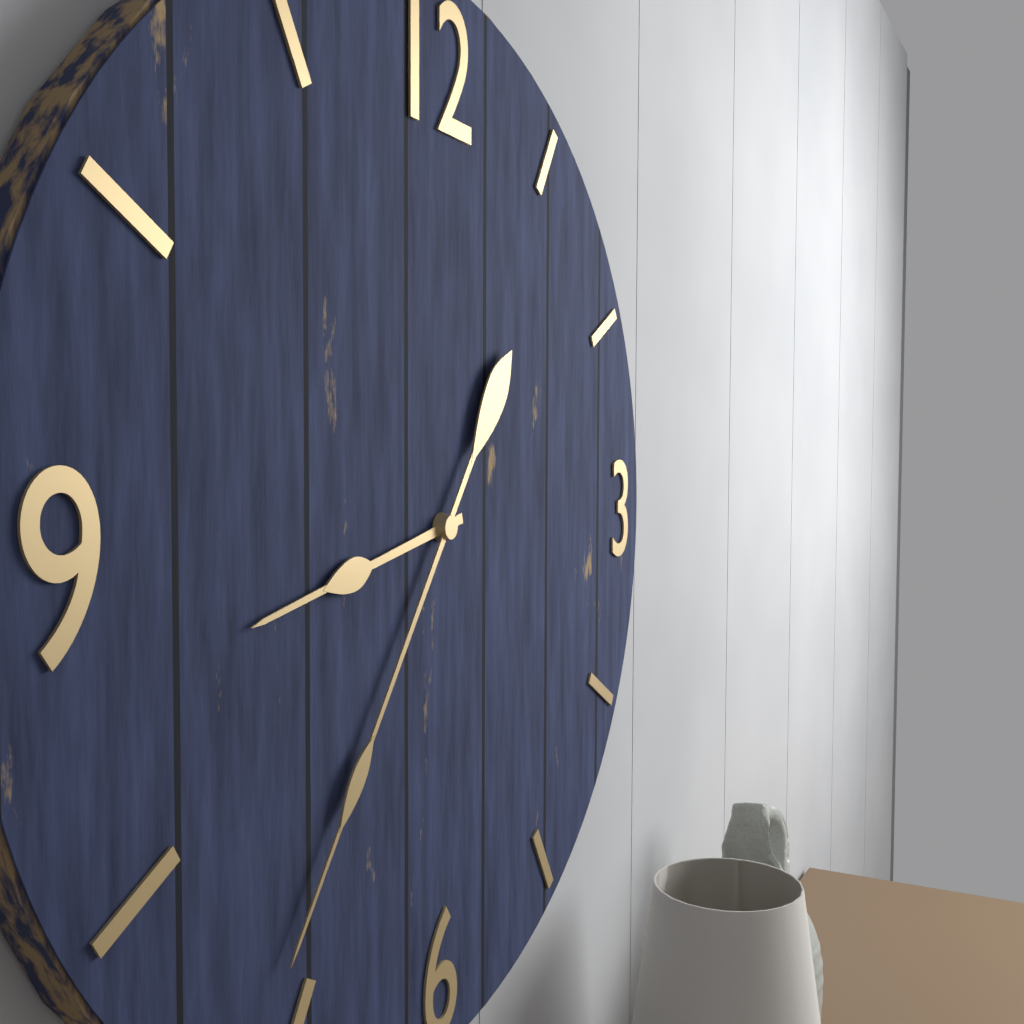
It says 8:36
